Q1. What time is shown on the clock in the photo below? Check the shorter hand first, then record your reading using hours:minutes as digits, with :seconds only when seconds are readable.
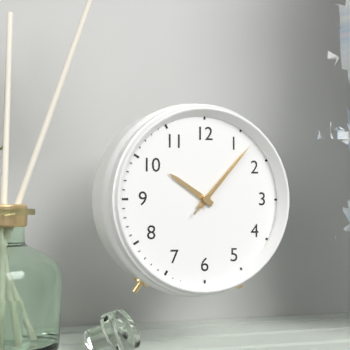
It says 10:07:07
